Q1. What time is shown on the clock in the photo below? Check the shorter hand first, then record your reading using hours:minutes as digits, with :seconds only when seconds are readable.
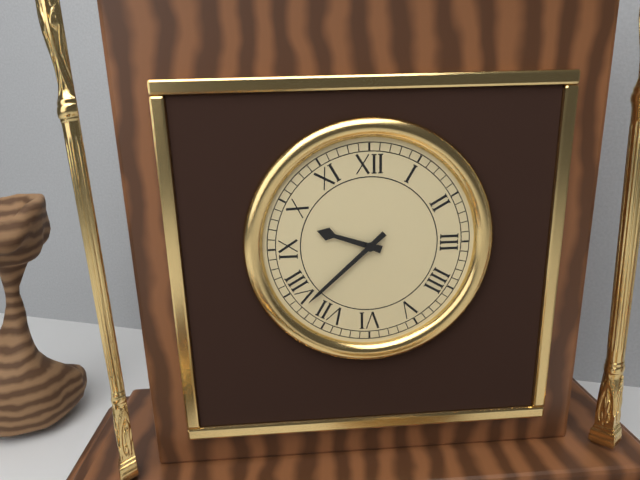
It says 9:38
